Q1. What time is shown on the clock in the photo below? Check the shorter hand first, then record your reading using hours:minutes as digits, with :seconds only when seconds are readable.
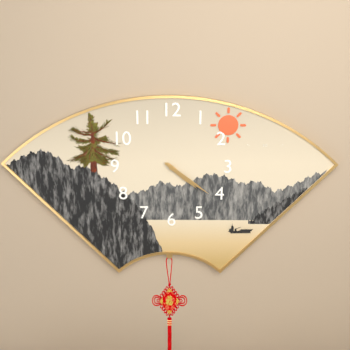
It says 4:21
